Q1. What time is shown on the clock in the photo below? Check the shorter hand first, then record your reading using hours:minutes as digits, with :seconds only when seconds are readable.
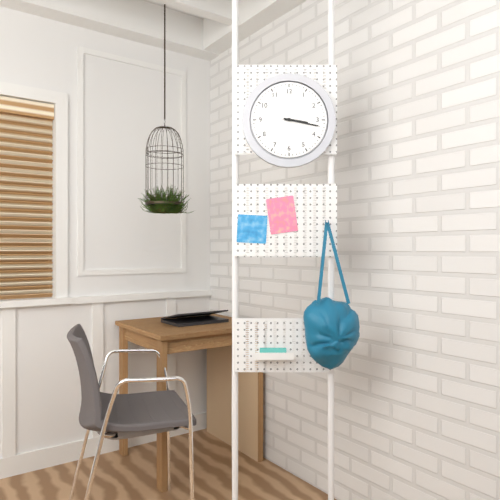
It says 3:17
